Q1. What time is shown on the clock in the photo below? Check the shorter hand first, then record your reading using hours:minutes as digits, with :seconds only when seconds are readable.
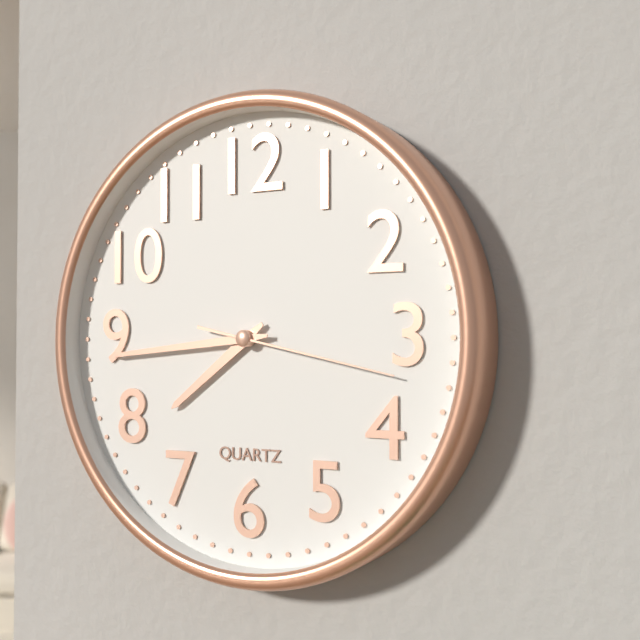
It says 7:44:17
